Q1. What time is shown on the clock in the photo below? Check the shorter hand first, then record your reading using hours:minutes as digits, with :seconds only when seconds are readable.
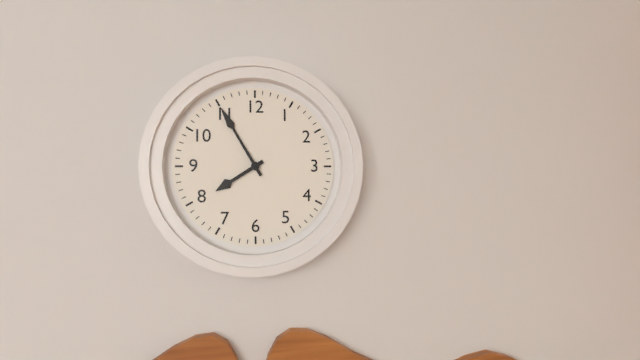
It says 7:55
